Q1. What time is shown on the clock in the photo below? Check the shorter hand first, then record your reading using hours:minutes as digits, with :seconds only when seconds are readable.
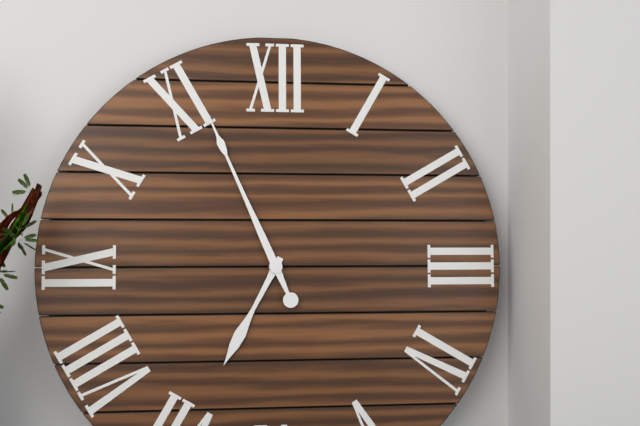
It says 6:56
